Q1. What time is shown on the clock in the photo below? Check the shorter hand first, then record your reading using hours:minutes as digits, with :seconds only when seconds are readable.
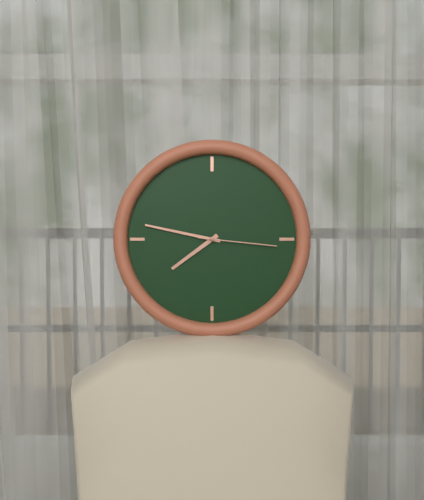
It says 7:47:16
